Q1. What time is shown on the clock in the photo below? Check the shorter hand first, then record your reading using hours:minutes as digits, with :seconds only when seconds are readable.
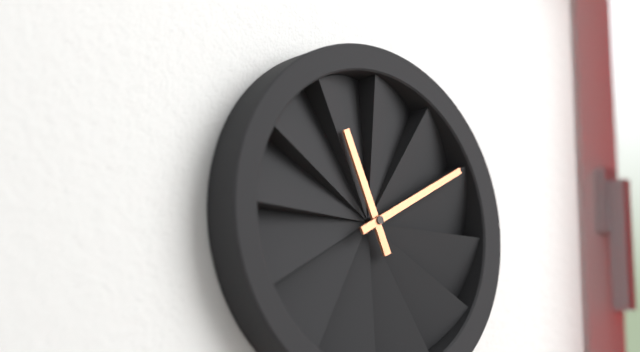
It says 11:10
